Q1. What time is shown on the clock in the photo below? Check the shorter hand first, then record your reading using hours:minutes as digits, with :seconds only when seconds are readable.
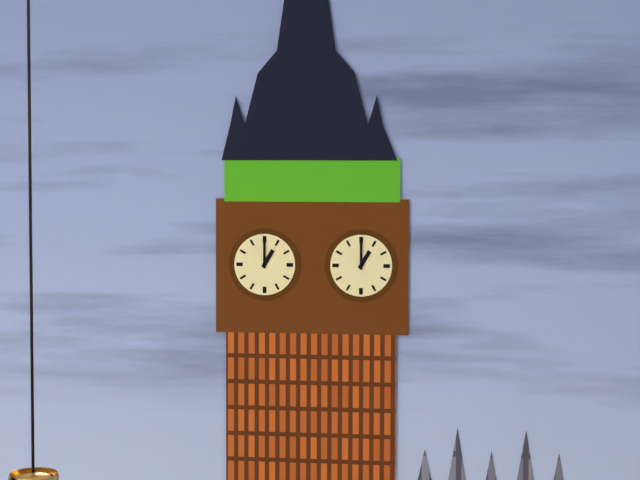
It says 1:00
